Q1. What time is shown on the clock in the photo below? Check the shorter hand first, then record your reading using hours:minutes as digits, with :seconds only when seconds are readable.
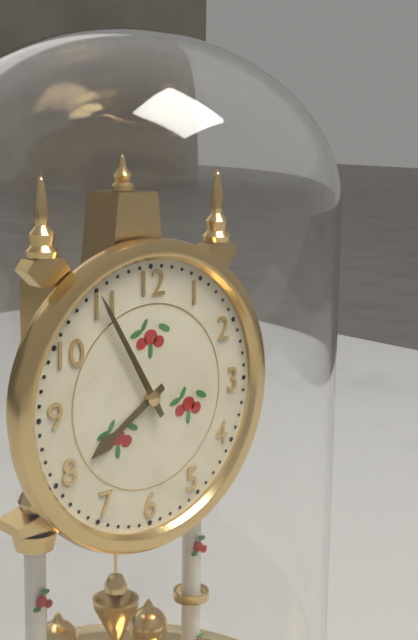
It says 7:55
